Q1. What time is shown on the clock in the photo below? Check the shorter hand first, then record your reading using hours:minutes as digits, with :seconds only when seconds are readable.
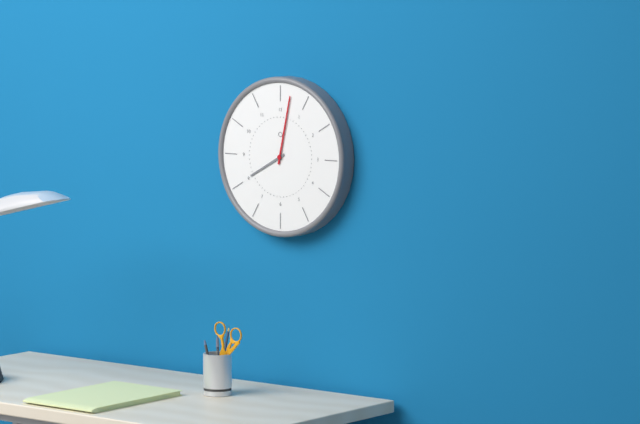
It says 8:02
